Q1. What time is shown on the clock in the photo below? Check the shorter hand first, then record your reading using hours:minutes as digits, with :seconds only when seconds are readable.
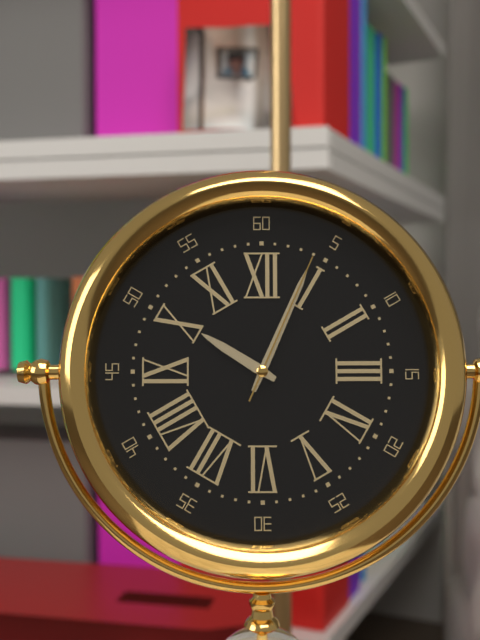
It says 10:04:04
